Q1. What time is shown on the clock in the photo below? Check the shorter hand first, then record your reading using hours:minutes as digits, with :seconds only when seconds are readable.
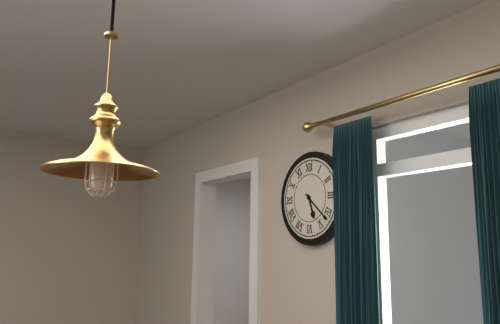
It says 5:22
